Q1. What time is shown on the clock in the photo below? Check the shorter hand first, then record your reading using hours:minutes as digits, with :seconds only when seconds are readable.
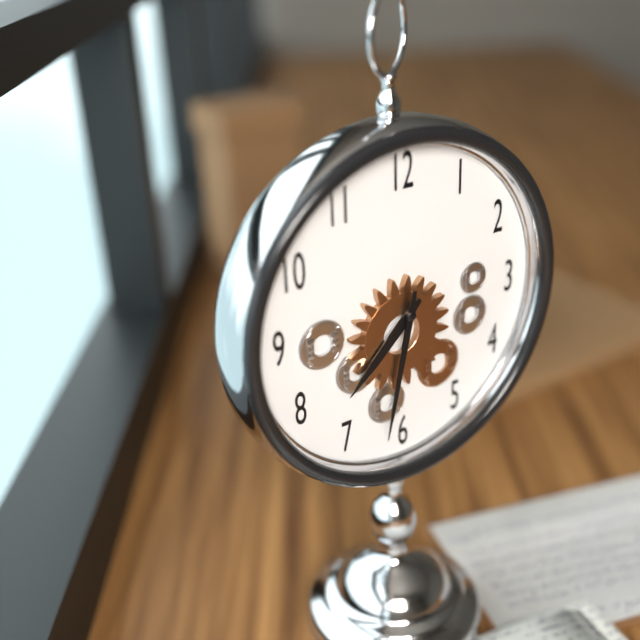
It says 7:32
